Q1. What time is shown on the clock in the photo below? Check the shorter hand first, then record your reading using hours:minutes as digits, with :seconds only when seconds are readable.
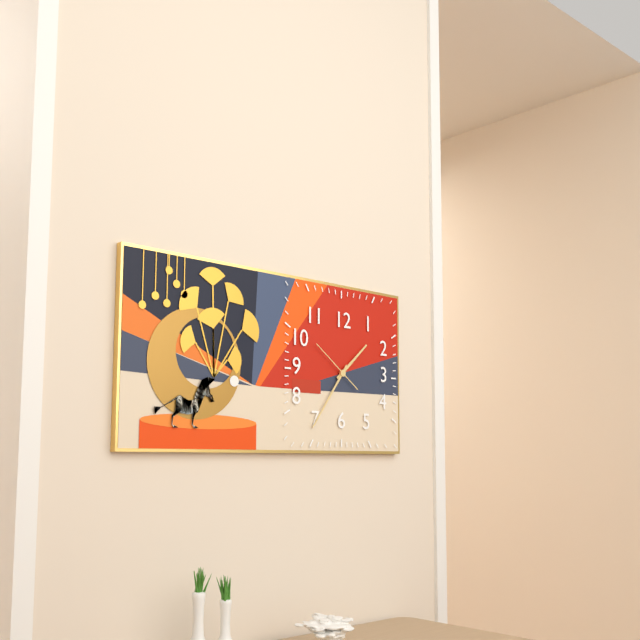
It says 1:36
